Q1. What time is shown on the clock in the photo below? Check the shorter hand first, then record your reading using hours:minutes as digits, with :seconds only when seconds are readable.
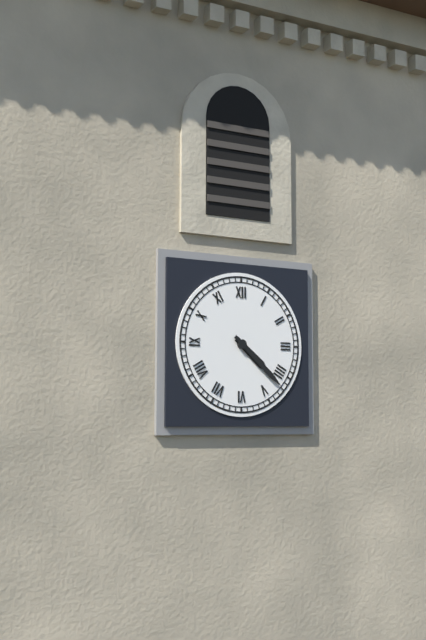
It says 4:22
